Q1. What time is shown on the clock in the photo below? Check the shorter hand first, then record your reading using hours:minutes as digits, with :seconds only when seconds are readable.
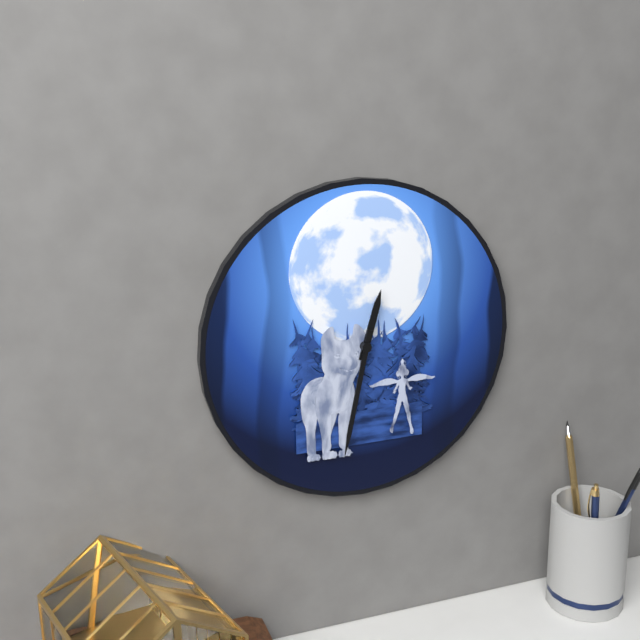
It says 12:32
